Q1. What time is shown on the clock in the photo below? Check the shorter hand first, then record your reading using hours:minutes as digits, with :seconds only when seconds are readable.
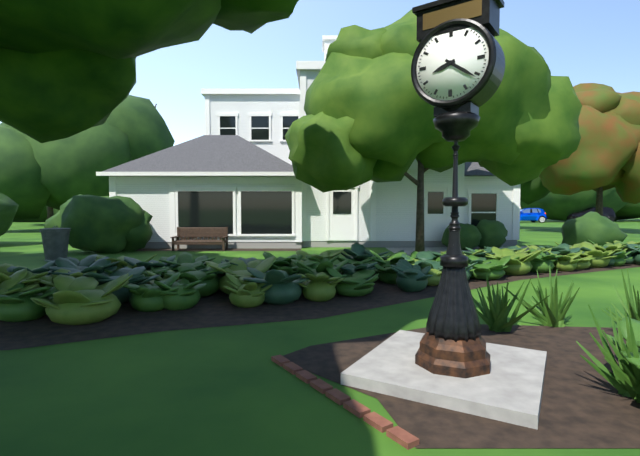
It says 8:21
